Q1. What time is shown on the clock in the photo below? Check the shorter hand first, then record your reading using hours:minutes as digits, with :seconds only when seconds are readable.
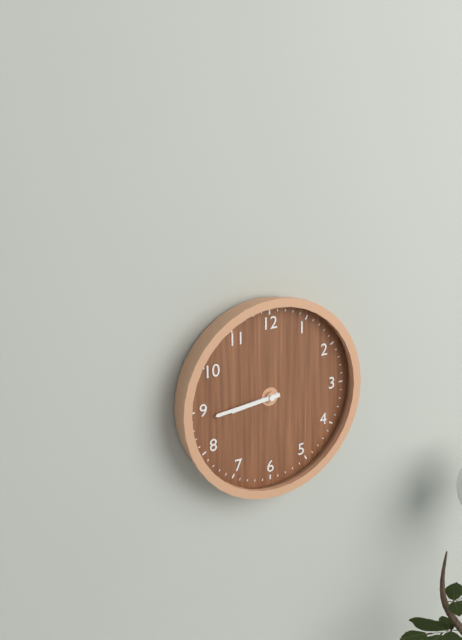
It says 8:44
